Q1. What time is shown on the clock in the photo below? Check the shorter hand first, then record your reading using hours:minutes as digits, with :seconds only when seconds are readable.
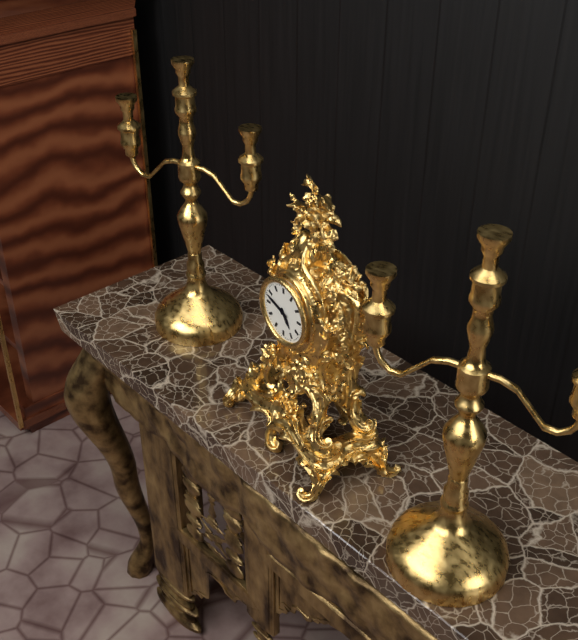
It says 4:48
